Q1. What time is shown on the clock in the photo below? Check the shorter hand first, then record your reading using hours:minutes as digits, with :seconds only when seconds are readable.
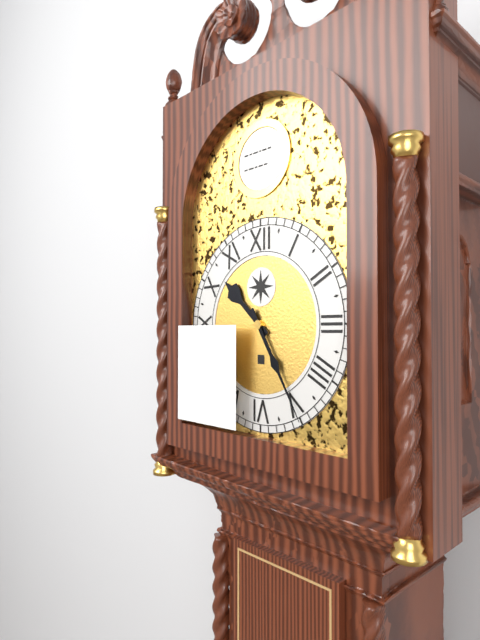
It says 10:25
